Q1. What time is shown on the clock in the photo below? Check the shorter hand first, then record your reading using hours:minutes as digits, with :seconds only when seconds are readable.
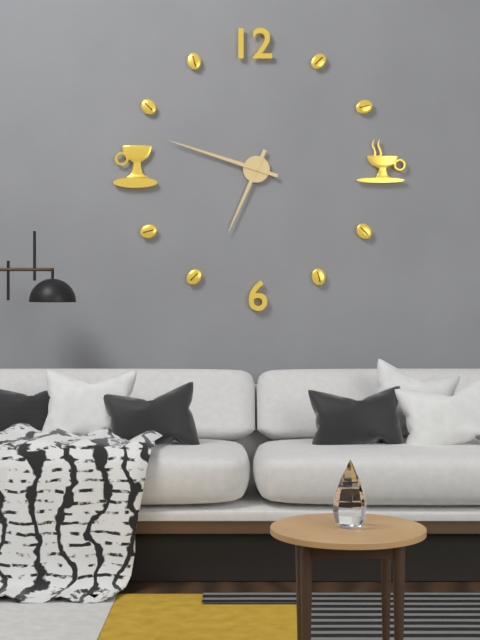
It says 6:48
